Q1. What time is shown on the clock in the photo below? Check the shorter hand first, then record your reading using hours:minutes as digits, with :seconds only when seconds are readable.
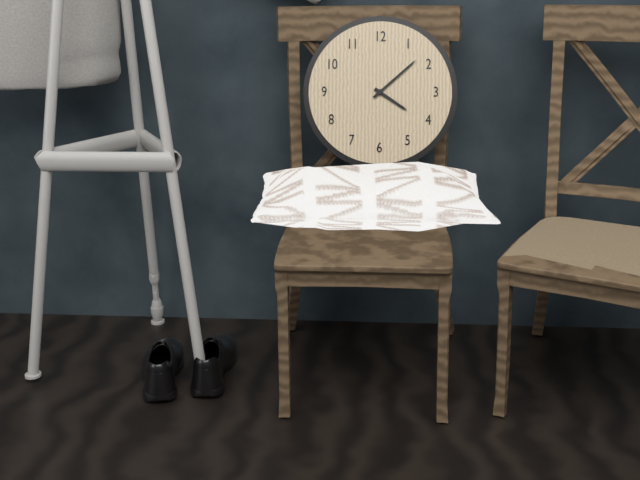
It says 4:08
